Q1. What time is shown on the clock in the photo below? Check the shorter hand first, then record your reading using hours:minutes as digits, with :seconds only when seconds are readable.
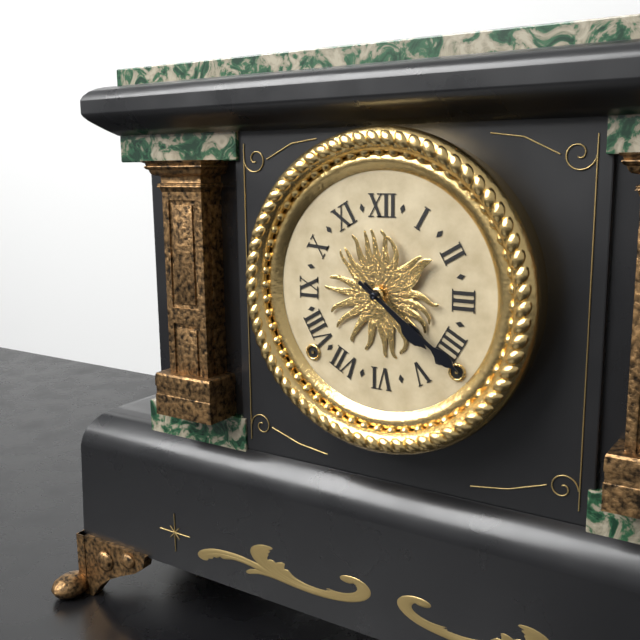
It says 4:21
